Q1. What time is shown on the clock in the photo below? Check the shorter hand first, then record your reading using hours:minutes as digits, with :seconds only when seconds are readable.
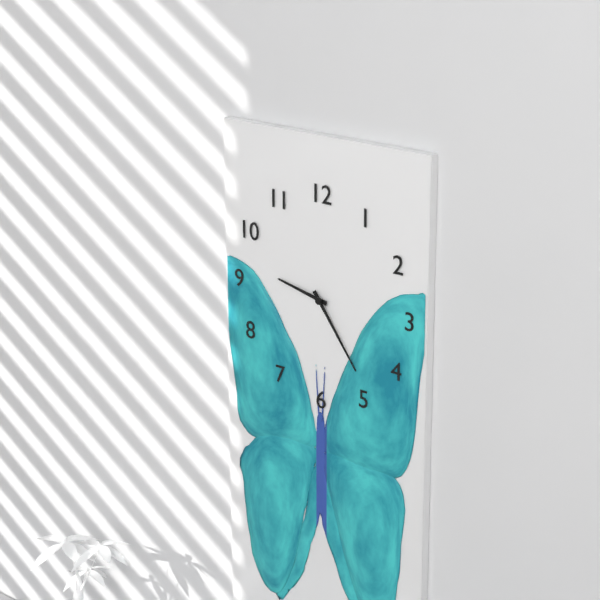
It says 9:24
